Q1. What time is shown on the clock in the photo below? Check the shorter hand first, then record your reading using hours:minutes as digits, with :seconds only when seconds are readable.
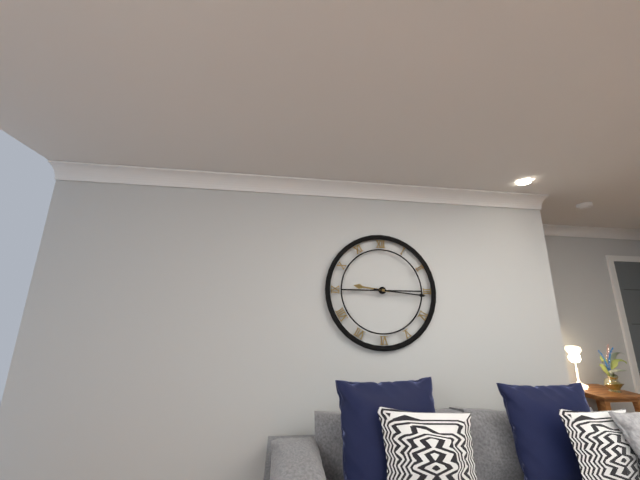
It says 9:16
